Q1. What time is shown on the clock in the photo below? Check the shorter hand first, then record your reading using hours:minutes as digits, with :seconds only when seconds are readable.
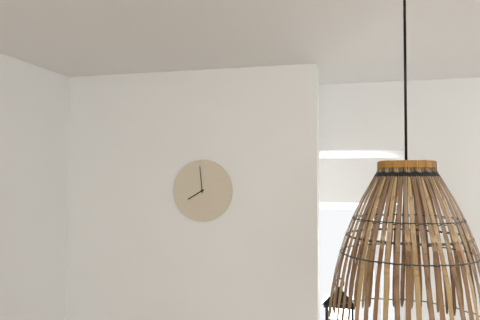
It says 7:59
